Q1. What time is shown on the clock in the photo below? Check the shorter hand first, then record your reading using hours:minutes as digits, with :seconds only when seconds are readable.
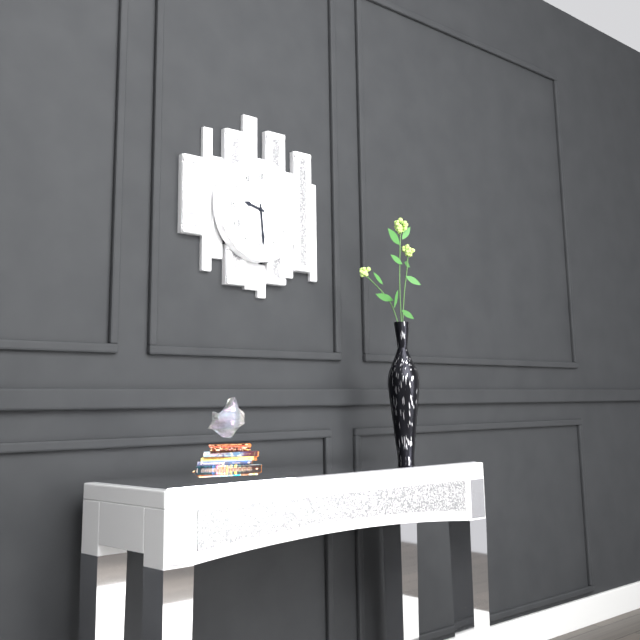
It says 9:29
